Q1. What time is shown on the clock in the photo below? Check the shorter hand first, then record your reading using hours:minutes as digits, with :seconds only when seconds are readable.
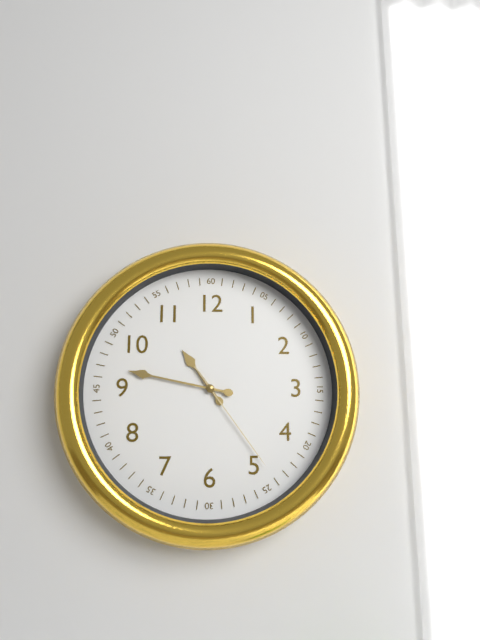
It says 10:47:24
